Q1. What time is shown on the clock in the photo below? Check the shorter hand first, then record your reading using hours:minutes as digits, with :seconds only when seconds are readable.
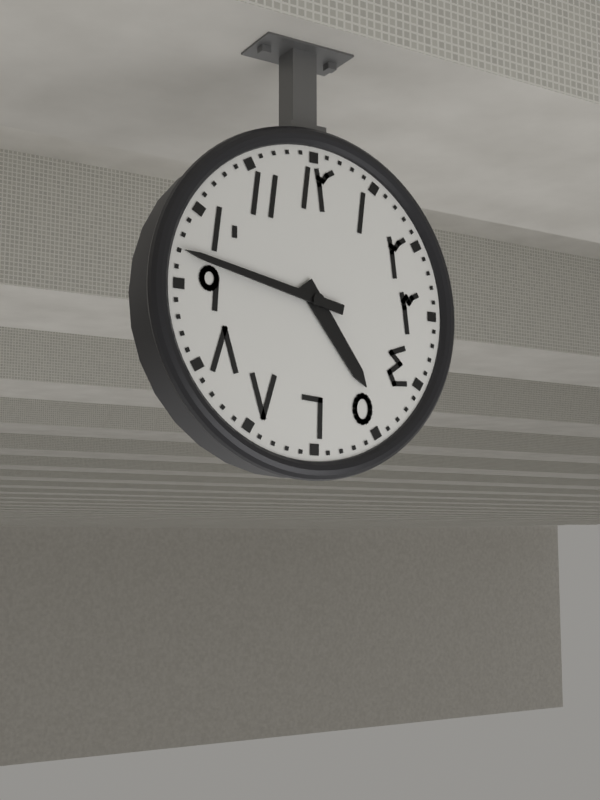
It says 4:47
